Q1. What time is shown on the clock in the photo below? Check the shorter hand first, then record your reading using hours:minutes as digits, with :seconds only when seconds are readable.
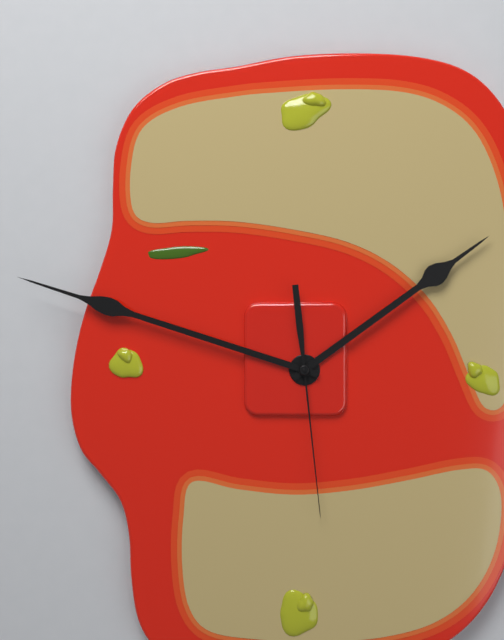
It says 1:48:29
